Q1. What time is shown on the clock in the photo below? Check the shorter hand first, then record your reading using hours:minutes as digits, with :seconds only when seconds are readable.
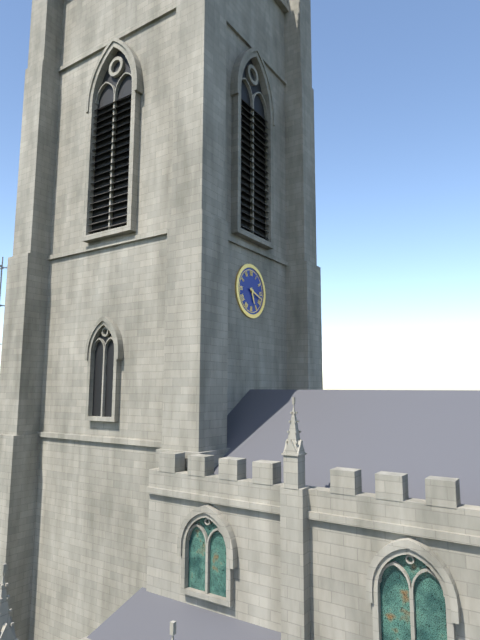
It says 5:18
